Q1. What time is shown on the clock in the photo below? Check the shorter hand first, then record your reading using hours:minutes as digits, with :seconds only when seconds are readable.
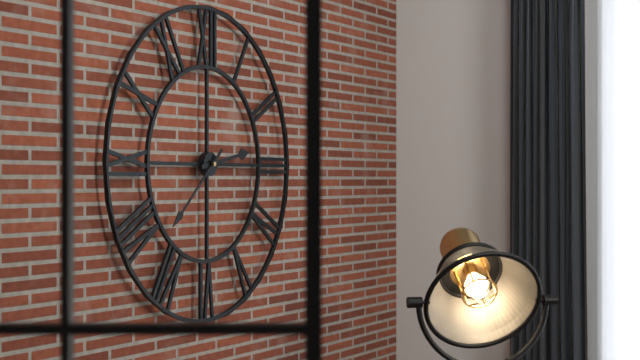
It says 2:38
